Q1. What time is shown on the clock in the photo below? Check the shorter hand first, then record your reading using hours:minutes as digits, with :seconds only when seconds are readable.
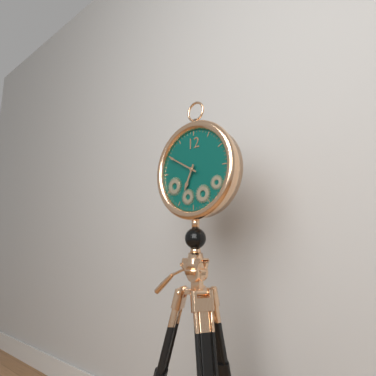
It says 6:50
